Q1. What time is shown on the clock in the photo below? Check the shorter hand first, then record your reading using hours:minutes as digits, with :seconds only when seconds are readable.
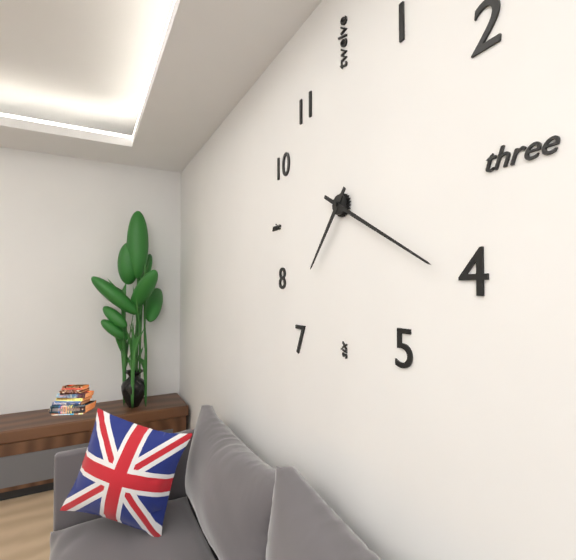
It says 7:20
